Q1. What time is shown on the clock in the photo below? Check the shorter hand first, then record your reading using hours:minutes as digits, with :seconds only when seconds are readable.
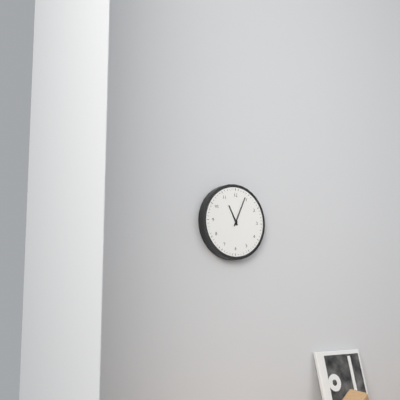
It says 11:04
